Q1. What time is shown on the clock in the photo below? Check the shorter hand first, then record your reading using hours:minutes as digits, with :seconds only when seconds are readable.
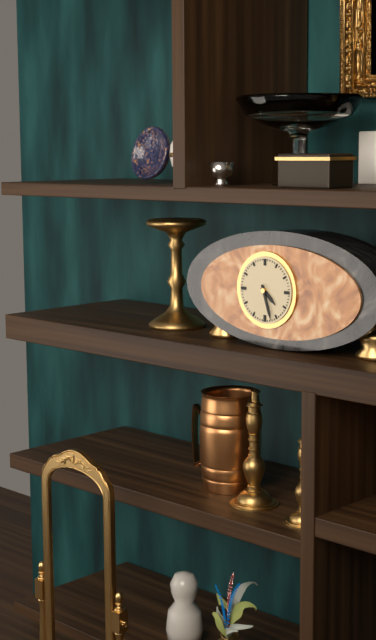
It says 4:27
